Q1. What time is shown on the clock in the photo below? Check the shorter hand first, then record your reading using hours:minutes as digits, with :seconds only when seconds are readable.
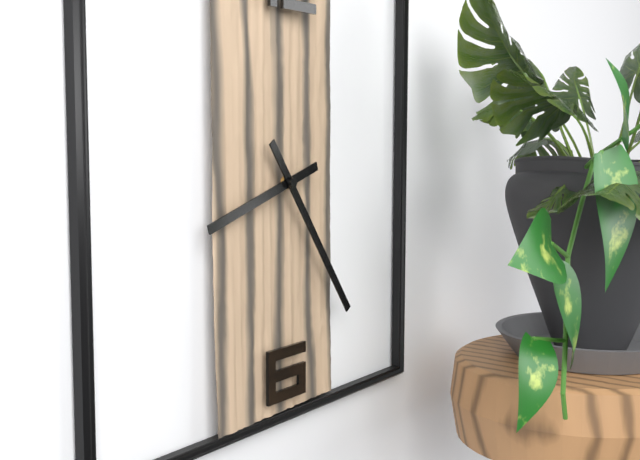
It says 8:24
